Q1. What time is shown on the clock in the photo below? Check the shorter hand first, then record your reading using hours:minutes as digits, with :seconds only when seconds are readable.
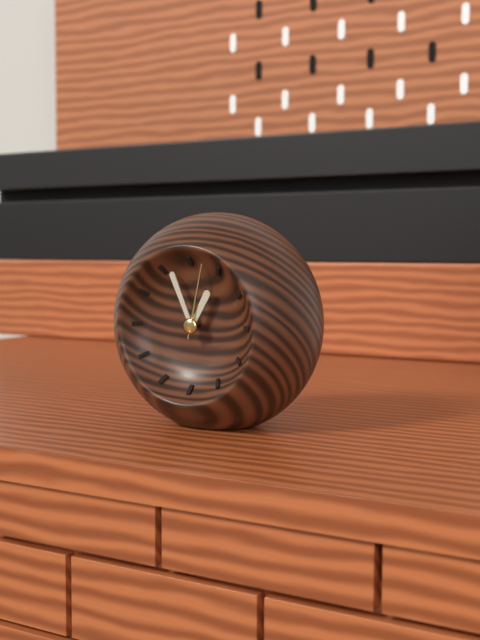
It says 12:56:02
